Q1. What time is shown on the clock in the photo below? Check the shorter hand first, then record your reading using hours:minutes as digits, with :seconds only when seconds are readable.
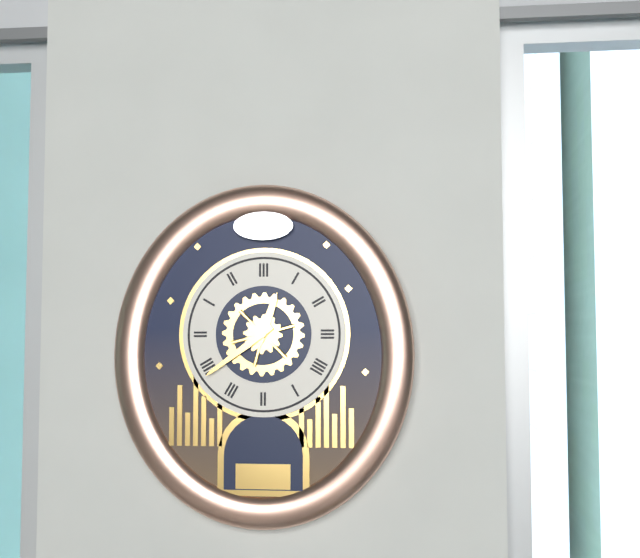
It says 12:39
